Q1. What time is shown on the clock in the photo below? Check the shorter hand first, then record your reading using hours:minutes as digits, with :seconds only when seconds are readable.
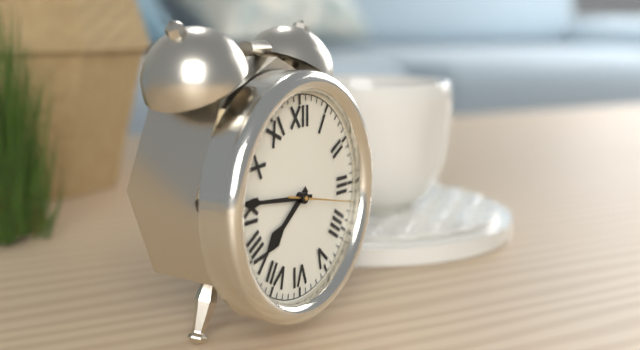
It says 7:46:17
